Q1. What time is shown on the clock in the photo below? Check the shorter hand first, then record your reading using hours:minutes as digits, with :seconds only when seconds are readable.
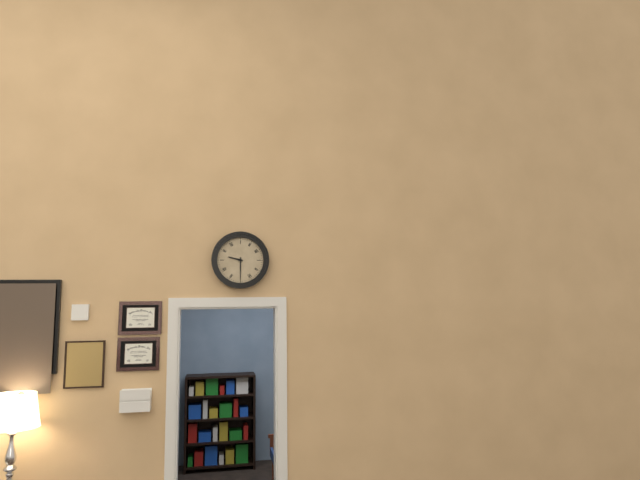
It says 9:30
